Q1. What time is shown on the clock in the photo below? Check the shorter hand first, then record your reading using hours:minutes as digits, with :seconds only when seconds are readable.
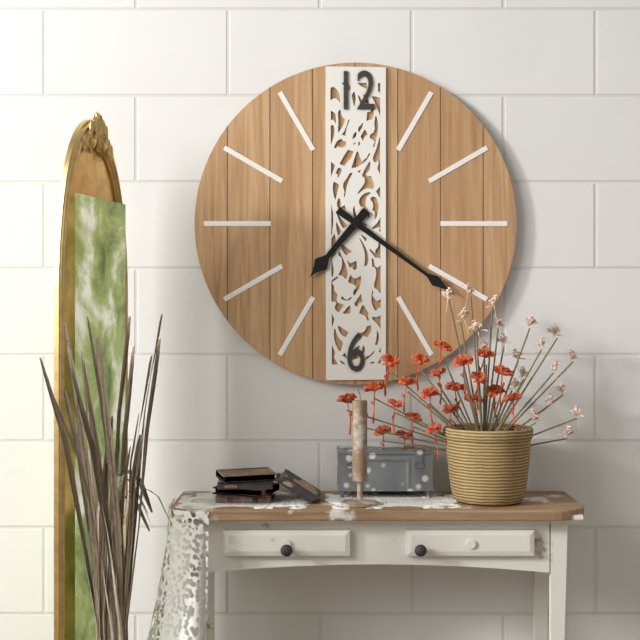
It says 7:21
